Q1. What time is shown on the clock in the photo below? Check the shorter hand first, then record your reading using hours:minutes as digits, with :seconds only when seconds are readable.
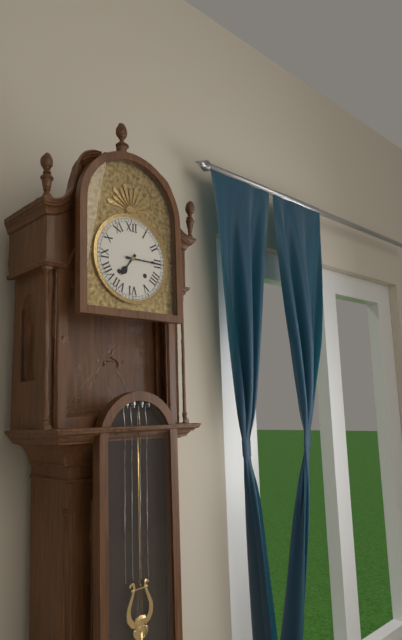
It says 7:15
